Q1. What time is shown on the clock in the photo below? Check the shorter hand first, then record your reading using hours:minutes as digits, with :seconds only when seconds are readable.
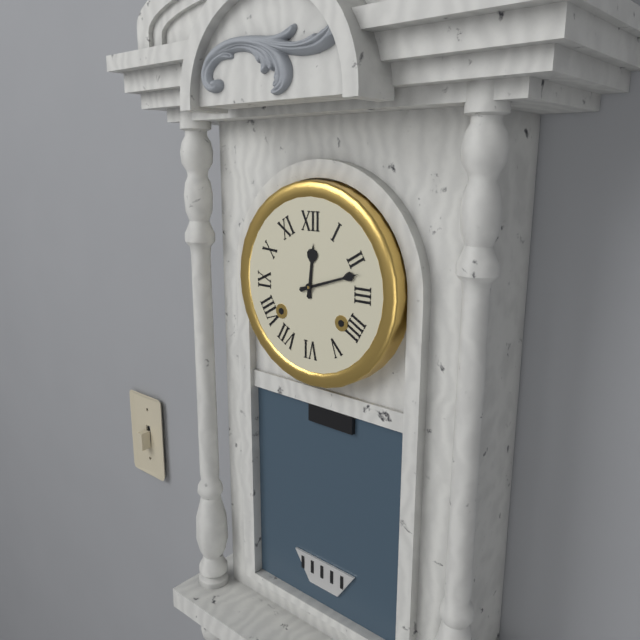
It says 12:12
